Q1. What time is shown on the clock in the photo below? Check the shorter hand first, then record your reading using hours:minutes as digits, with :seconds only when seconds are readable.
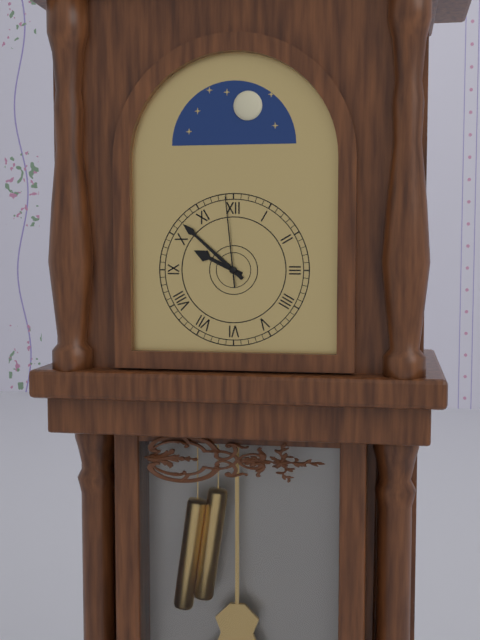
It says 9:52:59
